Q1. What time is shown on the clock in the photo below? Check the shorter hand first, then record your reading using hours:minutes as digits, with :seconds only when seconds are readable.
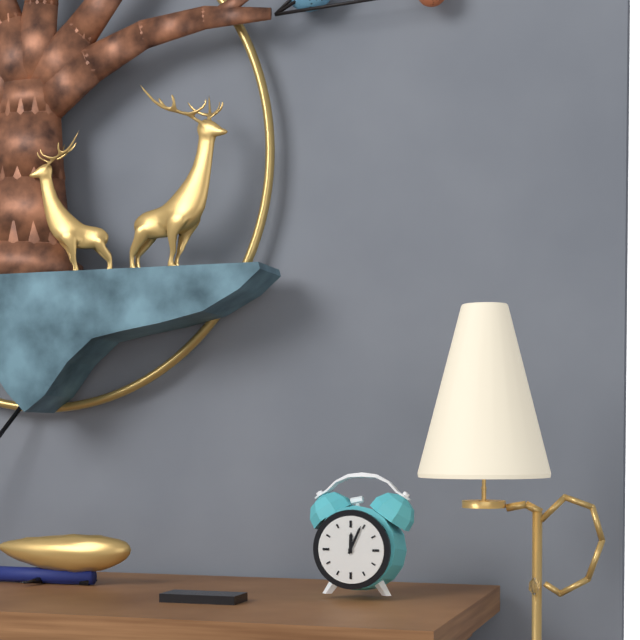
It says 12:04
